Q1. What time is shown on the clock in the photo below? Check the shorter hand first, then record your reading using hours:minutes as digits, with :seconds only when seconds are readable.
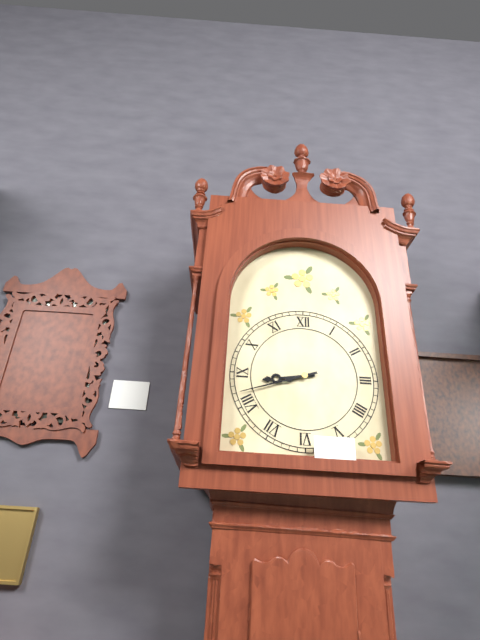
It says 8:42
